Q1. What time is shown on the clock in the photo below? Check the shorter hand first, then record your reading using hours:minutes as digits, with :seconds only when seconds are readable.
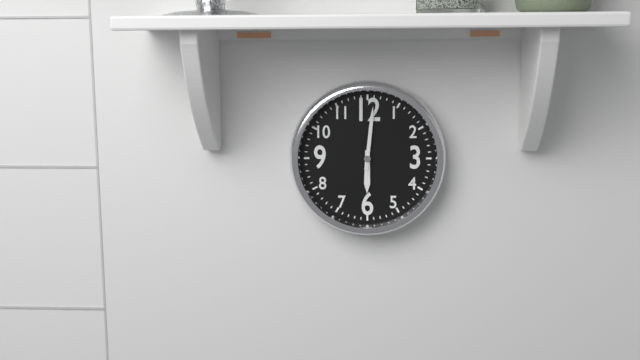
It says 6:01
